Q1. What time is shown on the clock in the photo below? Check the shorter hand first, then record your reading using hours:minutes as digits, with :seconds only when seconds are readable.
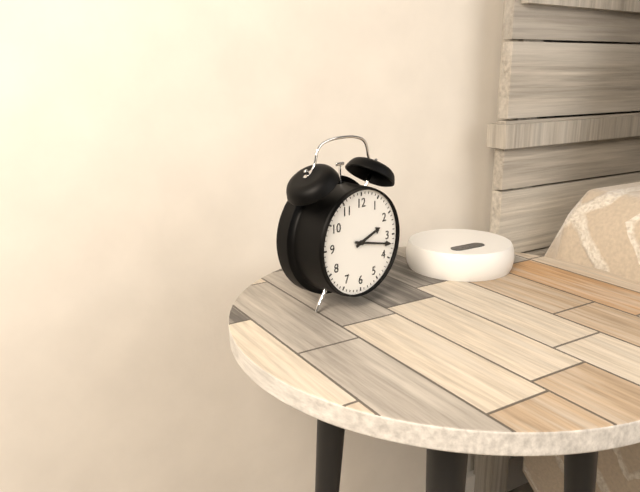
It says 2:17
